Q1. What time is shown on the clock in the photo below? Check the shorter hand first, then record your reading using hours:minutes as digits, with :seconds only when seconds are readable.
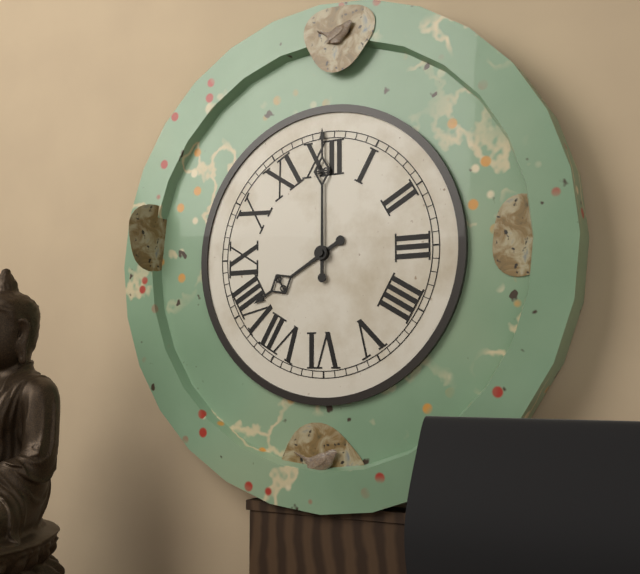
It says 8:00
